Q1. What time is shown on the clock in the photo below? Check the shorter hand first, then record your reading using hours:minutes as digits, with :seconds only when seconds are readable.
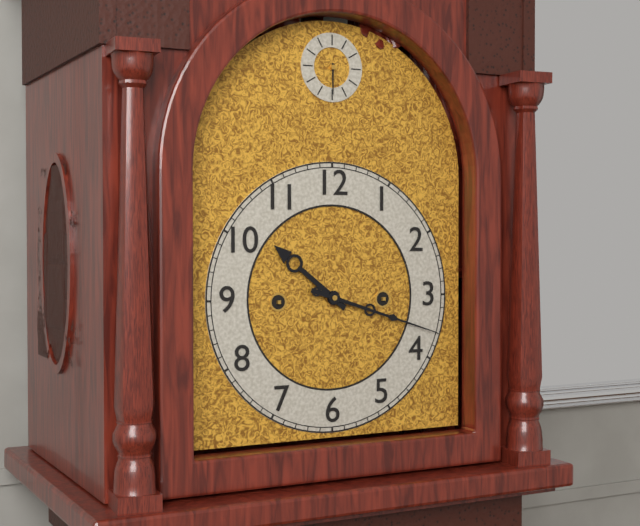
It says 10:18
